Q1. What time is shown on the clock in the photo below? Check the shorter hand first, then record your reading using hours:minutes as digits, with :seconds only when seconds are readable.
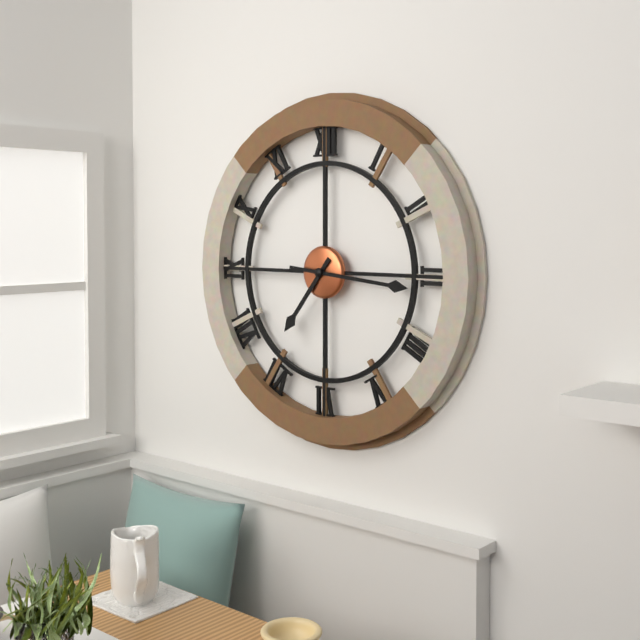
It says 7:16
